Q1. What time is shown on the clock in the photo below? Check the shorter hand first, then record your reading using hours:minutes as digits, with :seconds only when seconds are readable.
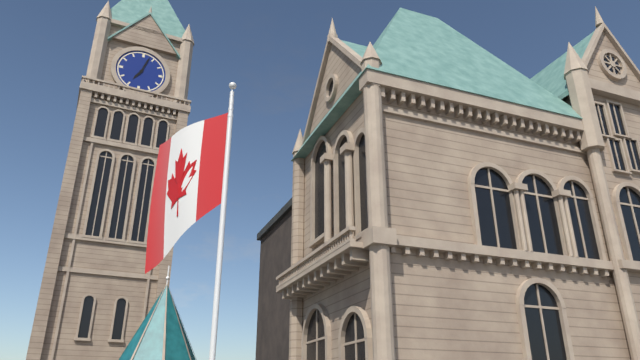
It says 7:03
